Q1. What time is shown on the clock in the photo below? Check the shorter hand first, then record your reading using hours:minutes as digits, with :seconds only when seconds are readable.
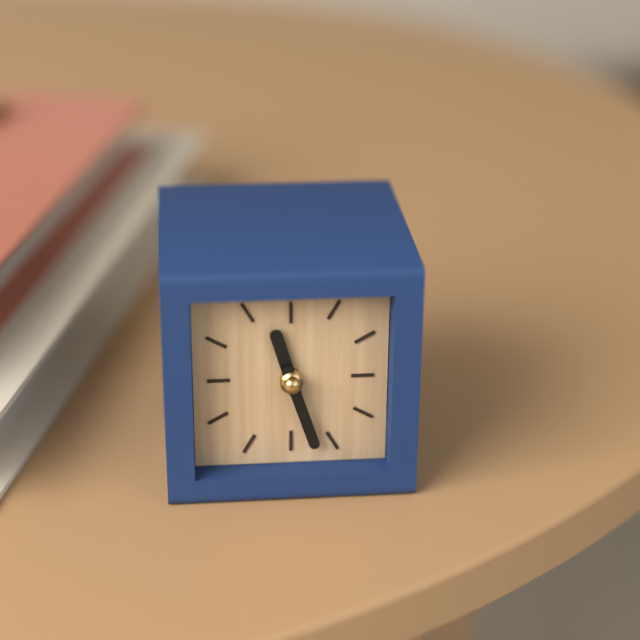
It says 11:27
